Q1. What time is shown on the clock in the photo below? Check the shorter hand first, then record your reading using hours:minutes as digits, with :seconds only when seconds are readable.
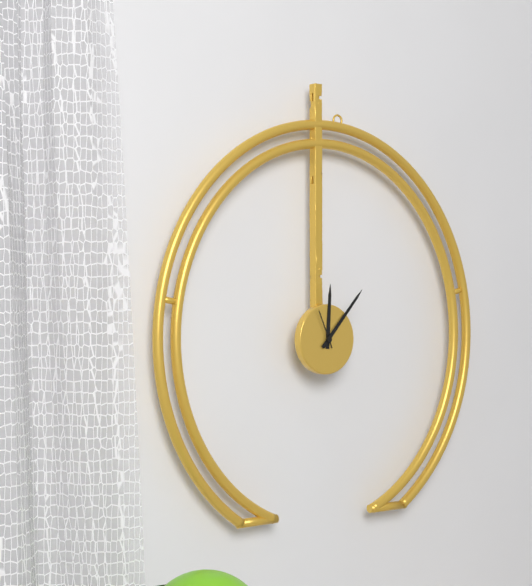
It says 12:07
